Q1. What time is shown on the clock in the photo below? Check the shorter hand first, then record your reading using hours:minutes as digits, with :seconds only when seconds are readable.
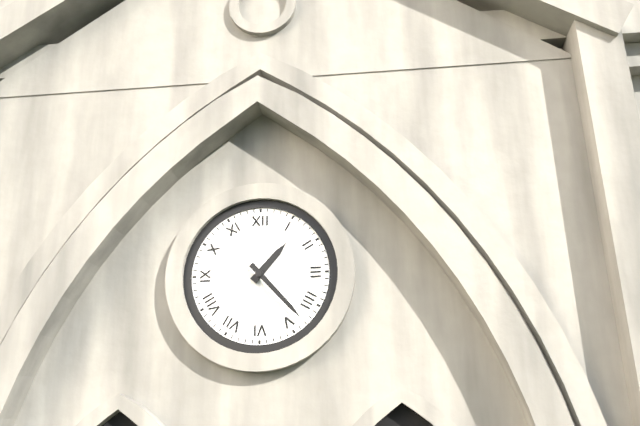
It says 1:23
